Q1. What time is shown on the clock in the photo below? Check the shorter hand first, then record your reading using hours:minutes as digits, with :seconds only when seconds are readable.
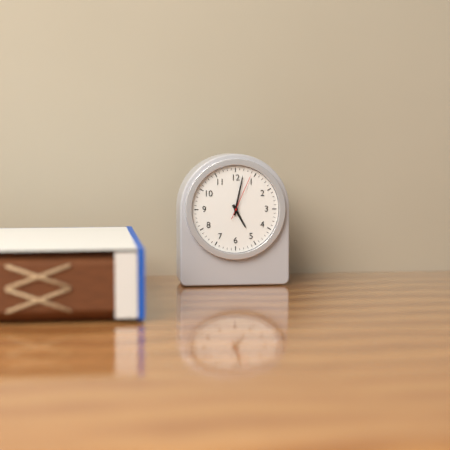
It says 5:02
